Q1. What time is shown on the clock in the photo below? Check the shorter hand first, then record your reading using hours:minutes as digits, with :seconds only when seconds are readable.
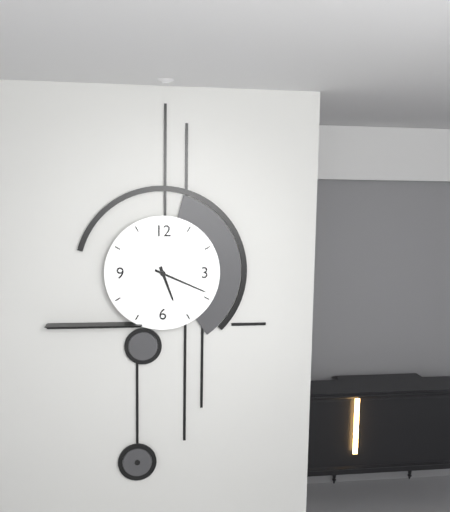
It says 5:19
